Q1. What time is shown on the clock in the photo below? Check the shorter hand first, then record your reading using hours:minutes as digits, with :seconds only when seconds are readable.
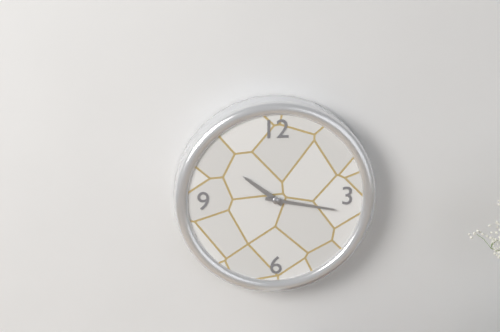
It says 10:17
